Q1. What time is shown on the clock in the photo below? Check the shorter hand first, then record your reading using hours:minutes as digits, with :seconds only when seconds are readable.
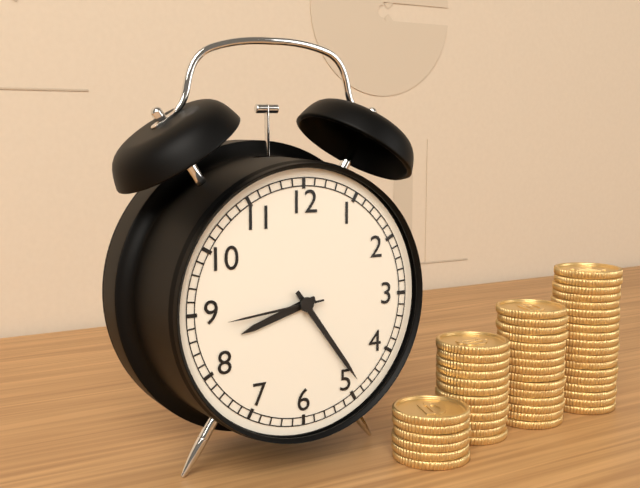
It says 8:24:44
